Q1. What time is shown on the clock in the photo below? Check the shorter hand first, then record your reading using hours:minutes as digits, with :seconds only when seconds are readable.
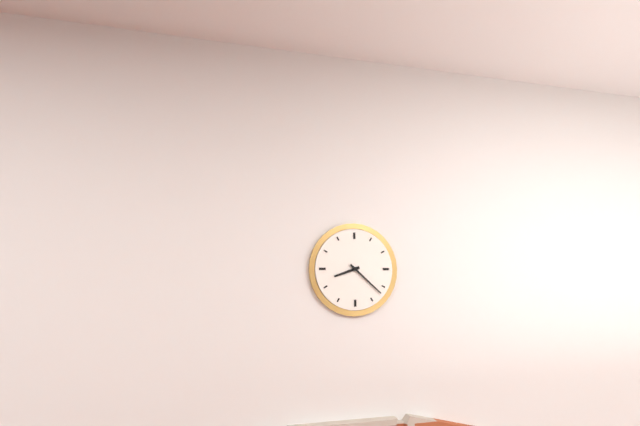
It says 8:22
